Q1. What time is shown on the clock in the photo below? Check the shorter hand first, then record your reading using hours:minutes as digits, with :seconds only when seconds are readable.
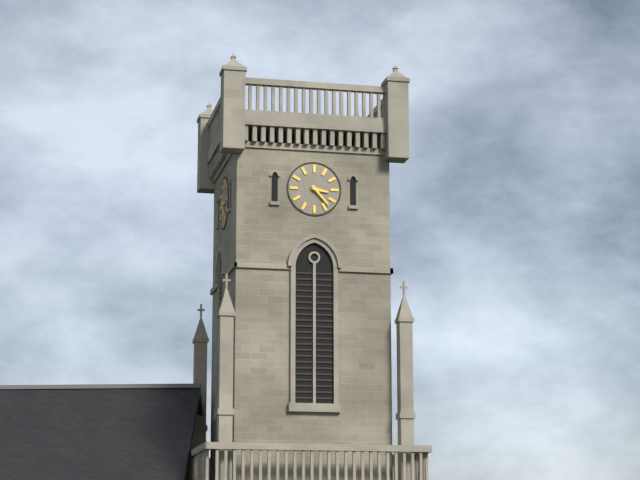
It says 3:23
